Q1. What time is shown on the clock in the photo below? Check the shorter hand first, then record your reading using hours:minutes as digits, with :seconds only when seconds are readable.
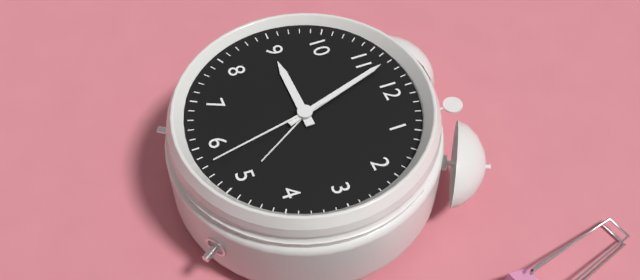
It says 8:57:28
